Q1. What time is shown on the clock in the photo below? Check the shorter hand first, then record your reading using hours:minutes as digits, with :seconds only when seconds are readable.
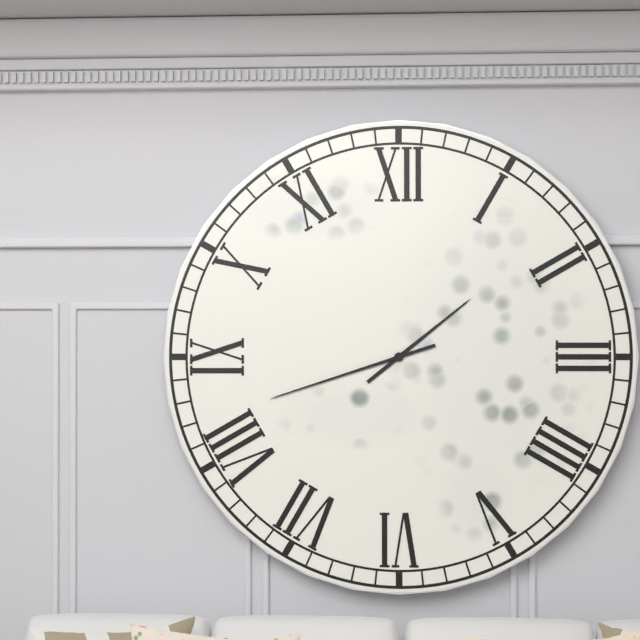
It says 1:42
